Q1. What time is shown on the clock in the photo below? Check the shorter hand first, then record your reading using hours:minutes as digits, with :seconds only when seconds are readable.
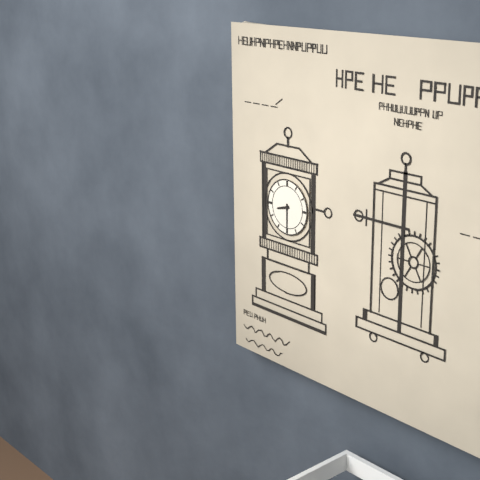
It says 8:30
